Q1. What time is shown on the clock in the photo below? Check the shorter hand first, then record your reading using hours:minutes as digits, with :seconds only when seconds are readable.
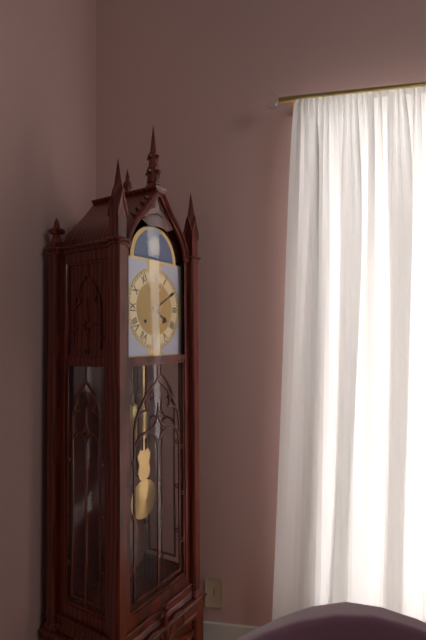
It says 4:10
